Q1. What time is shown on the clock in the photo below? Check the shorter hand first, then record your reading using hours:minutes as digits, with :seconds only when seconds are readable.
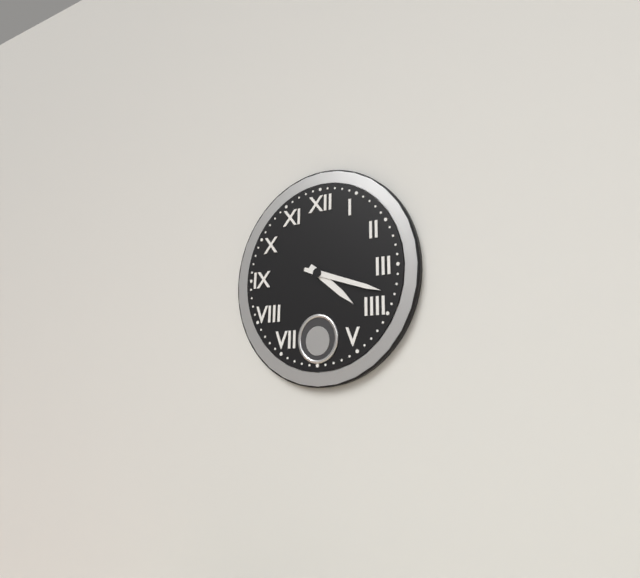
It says 4:18
